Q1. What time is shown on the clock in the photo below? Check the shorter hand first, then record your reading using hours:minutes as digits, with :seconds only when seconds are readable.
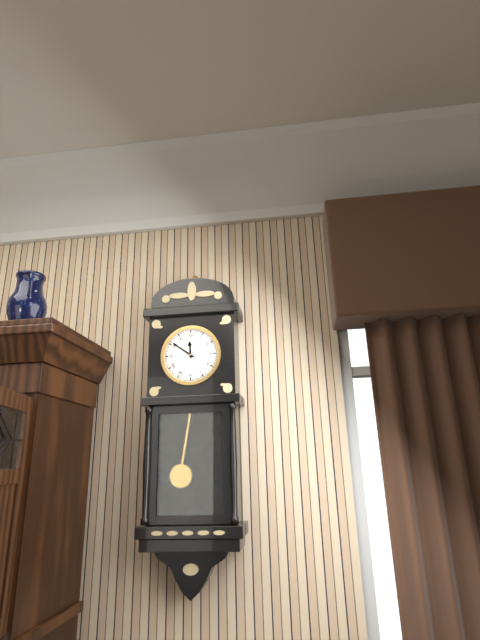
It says 11:51
